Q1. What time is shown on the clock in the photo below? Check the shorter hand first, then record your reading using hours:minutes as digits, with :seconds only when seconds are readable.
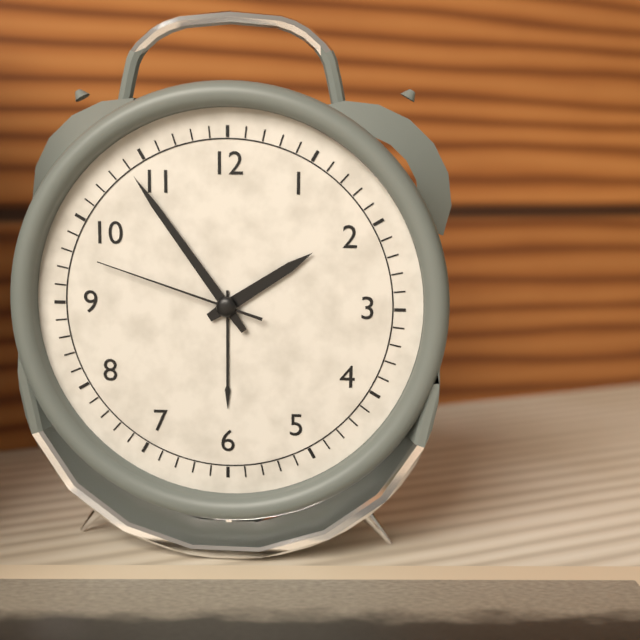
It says 1:54:48
